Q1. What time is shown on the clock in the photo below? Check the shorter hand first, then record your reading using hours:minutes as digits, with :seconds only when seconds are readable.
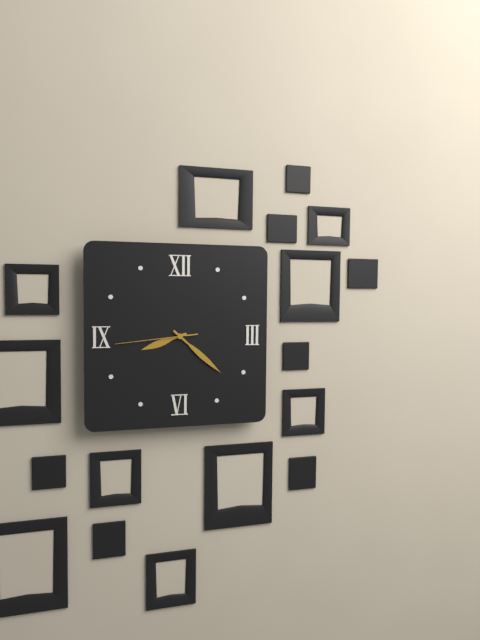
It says 8:22:44
